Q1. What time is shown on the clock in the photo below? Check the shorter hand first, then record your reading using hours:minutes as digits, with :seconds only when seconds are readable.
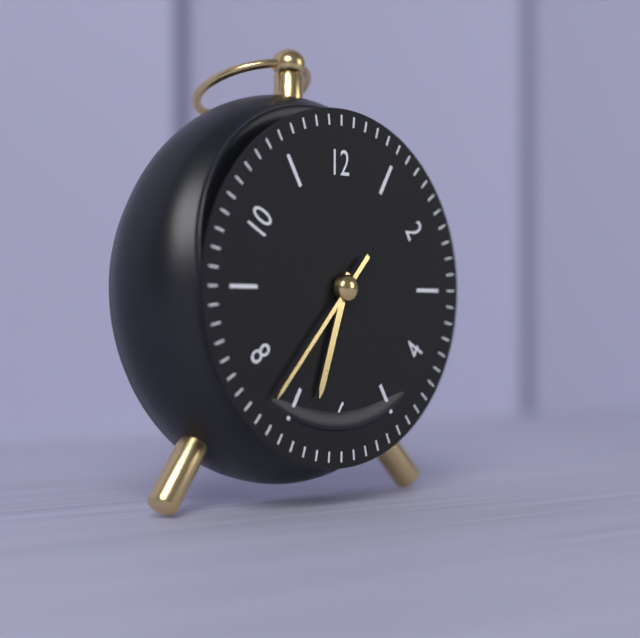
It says 6:37
